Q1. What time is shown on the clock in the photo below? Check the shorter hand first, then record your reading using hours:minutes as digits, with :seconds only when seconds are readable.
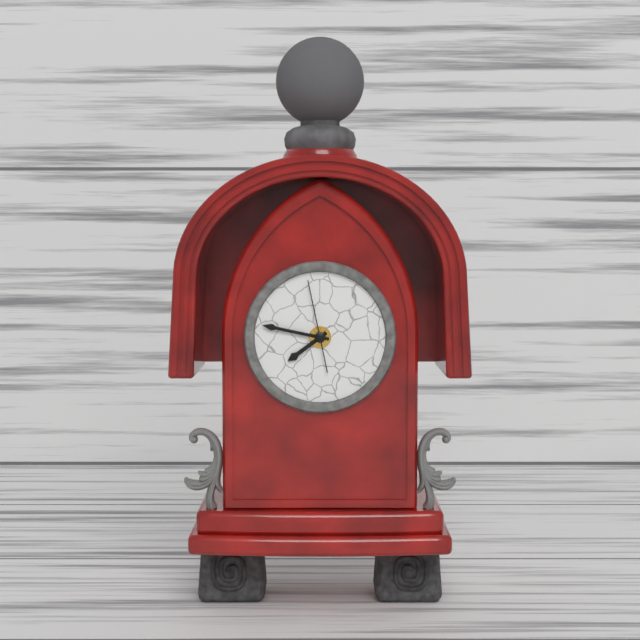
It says 7:47:58
